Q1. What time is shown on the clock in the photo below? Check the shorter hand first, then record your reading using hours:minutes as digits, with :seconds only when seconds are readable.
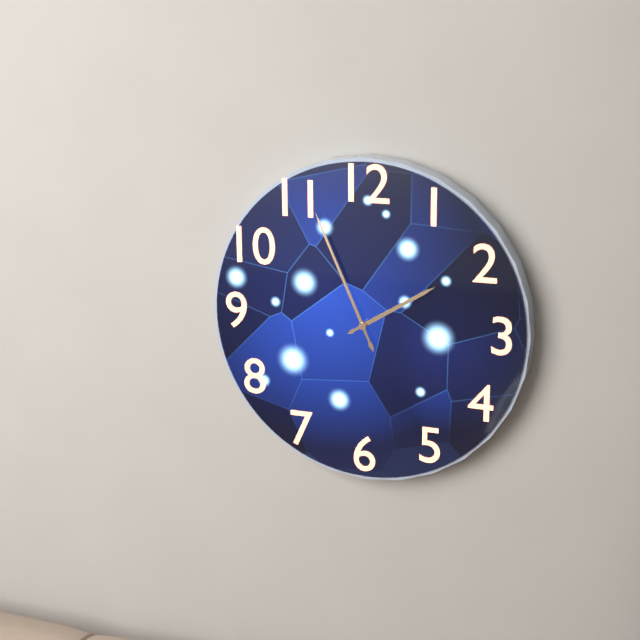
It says 1:56
